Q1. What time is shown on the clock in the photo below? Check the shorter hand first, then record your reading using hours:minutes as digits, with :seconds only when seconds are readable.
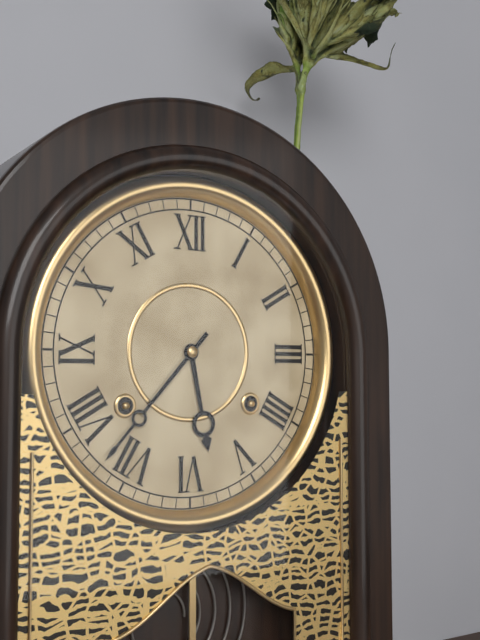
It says 5:37
